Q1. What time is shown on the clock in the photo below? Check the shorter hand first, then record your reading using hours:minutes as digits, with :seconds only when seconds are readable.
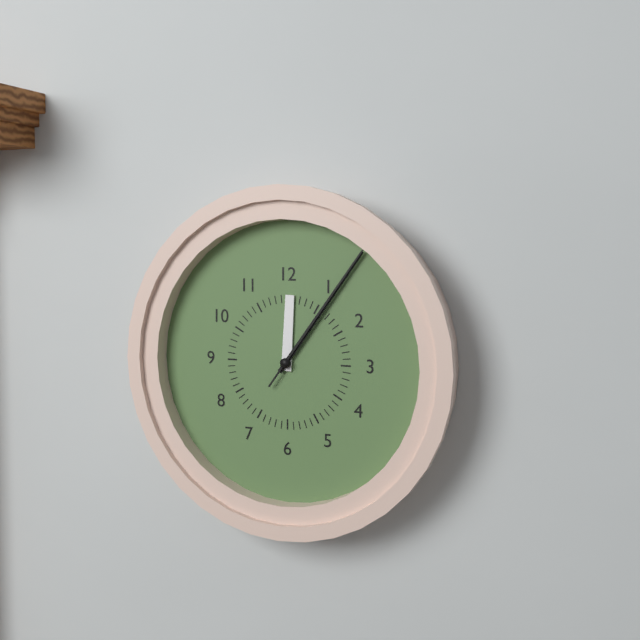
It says 12:06:06
